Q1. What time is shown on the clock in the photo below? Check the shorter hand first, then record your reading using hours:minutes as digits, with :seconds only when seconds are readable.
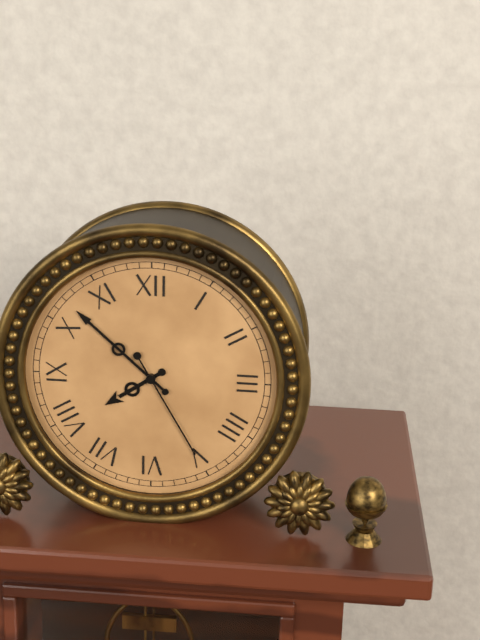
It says 7:52:25
